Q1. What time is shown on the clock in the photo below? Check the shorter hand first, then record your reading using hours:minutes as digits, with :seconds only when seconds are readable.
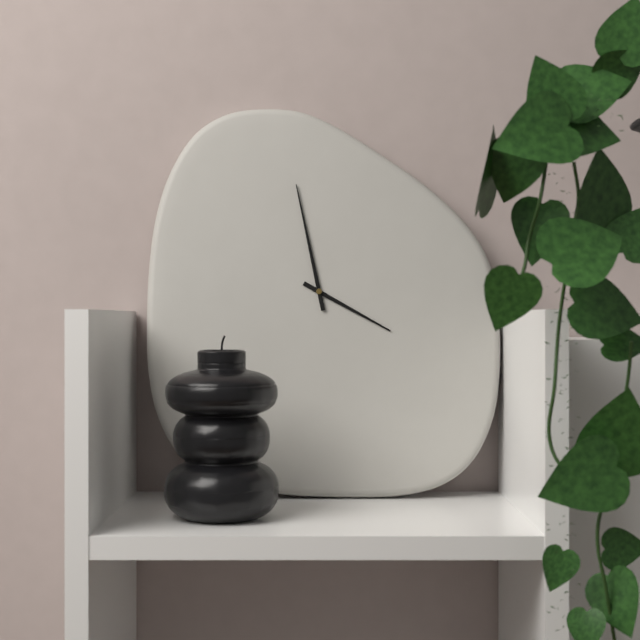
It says 3:58
